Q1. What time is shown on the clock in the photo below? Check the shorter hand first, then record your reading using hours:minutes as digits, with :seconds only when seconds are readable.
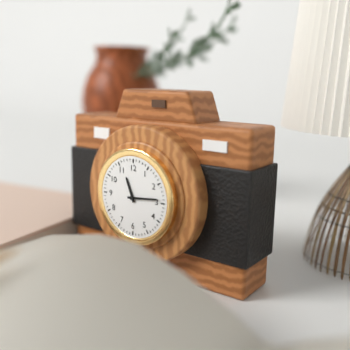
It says 11:14
